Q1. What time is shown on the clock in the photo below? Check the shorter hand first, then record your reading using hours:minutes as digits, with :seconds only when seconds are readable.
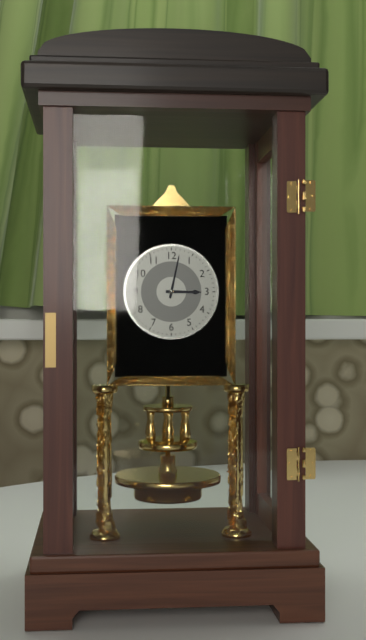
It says 3:02
